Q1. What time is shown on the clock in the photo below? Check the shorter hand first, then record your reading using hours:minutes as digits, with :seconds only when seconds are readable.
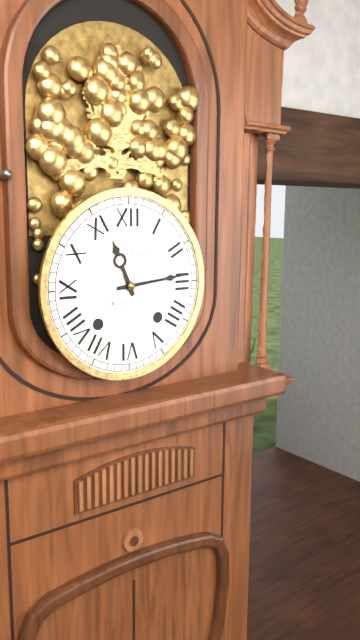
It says 11:14
